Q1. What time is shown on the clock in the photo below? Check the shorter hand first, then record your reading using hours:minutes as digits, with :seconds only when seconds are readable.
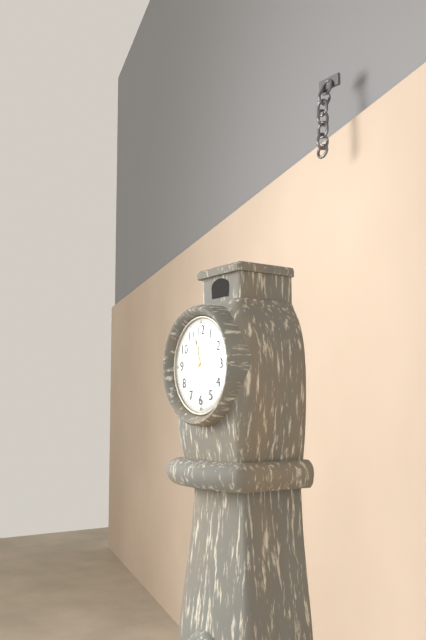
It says 11:17
